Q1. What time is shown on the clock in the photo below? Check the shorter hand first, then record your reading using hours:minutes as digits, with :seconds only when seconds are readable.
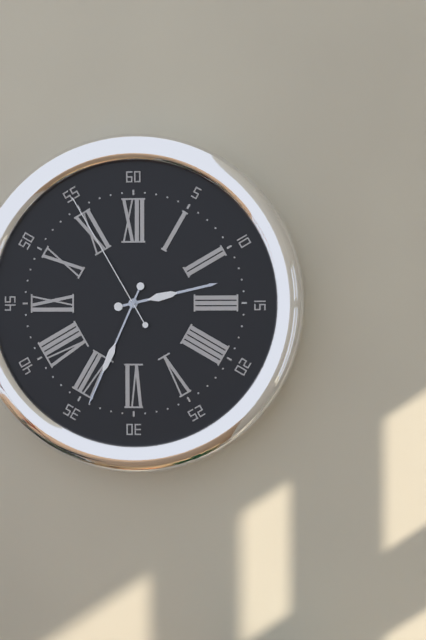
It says 2:34:55
